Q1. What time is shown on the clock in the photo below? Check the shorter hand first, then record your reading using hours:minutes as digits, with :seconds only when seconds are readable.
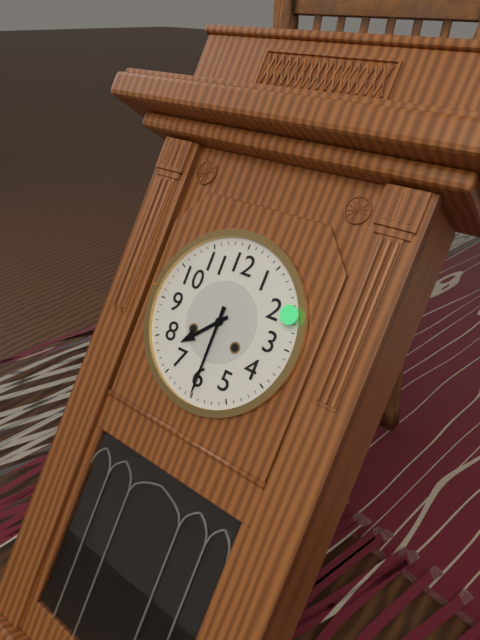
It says 7:30
